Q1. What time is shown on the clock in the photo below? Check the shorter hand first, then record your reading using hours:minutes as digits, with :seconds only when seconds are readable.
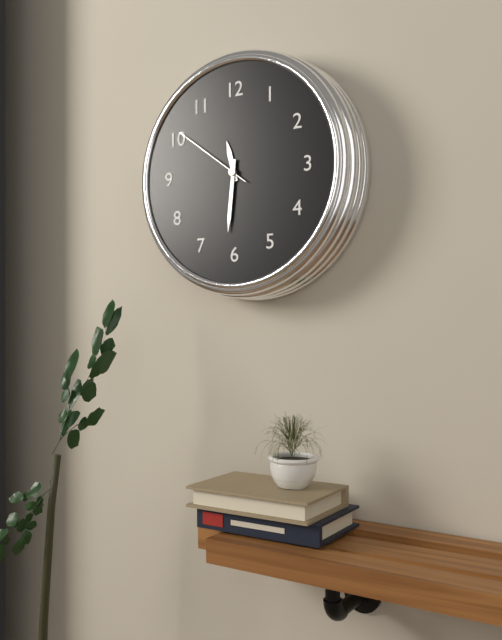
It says 11:31:51
